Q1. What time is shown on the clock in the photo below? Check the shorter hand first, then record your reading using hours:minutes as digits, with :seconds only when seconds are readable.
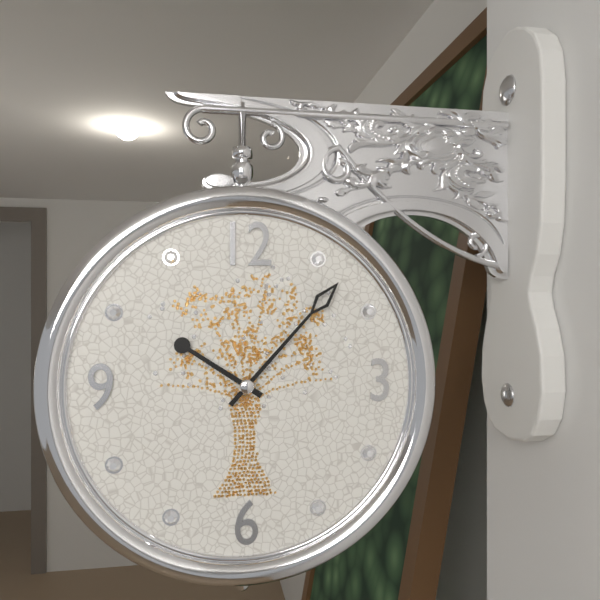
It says 10:07
